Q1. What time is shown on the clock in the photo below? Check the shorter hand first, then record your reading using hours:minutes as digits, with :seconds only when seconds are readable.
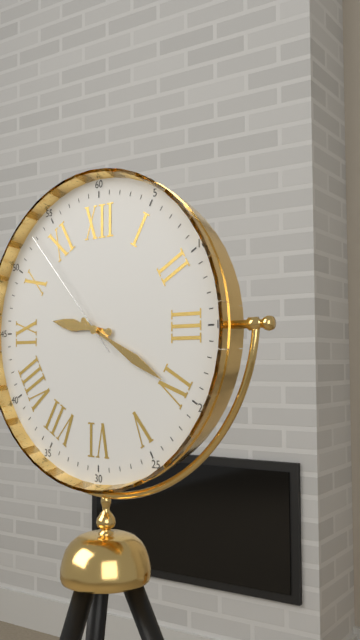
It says 9:20:53
